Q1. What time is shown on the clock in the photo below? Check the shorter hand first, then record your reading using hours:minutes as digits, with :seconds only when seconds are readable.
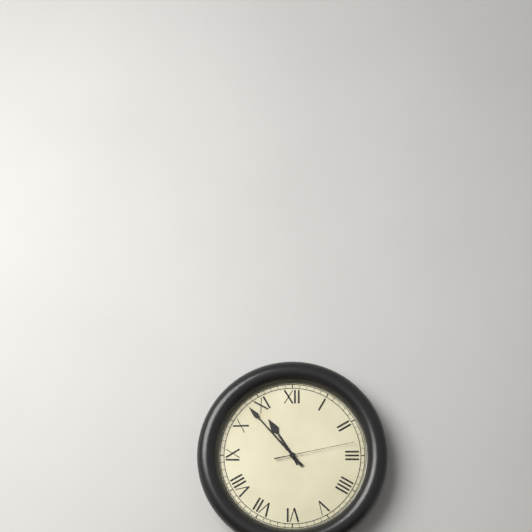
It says 10:53:13
